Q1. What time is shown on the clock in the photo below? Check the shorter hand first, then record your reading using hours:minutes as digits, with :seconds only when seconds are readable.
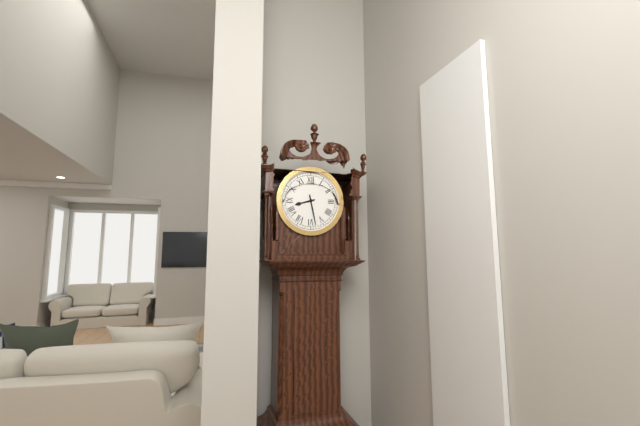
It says 8:28
